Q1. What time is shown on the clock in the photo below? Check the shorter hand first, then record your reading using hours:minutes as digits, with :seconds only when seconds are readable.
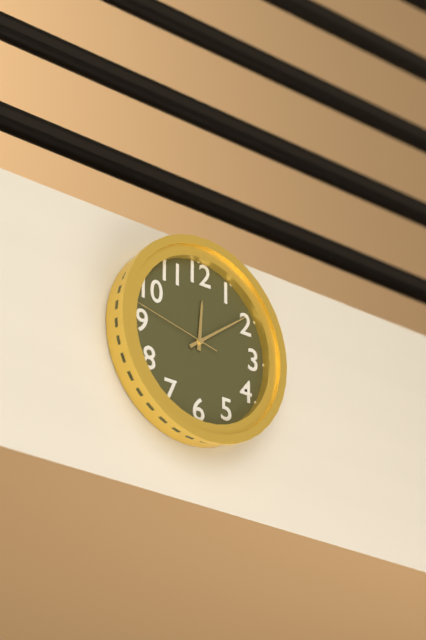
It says 12:09:47
